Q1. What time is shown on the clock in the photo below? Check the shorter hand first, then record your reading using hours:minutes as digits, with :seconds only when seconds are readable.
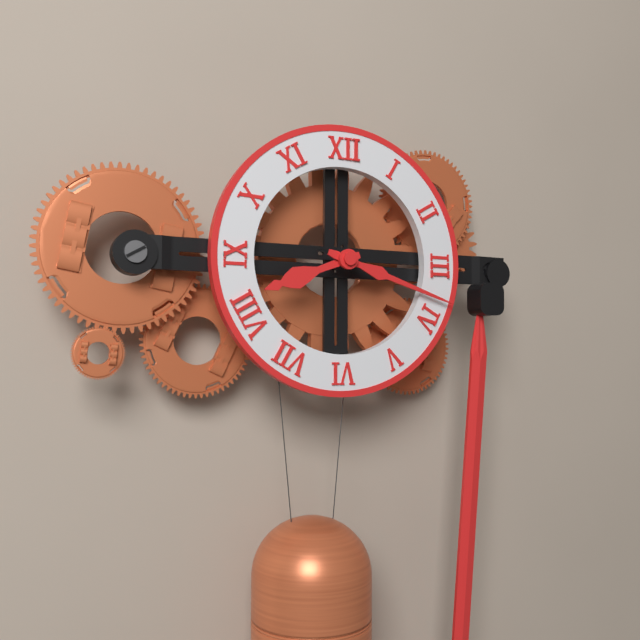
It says 8:18
